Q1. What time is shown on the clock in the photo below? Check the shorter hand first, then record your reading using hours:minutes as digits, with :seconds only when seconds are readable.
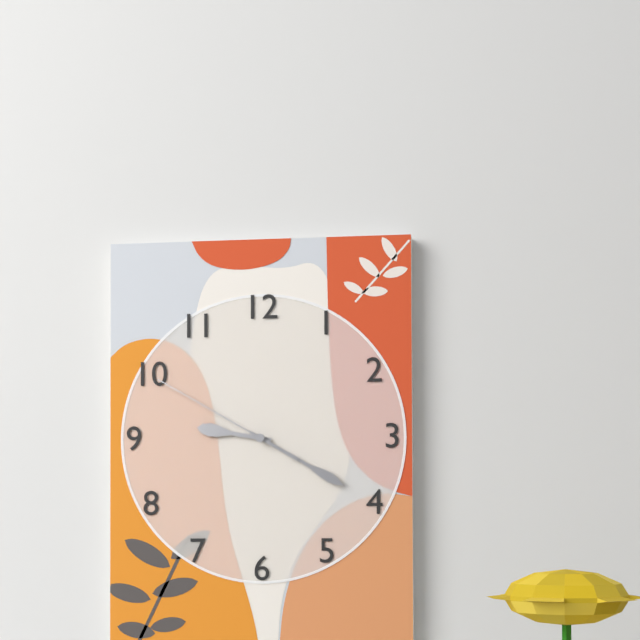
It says 9:20:50
